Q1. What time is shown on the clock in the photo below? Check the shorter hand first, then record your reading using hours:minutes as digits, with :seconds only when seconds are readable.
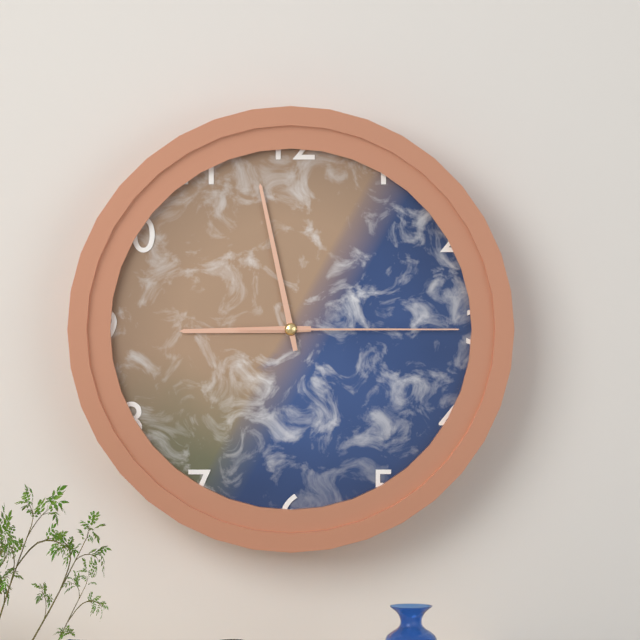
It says 8:58:15
